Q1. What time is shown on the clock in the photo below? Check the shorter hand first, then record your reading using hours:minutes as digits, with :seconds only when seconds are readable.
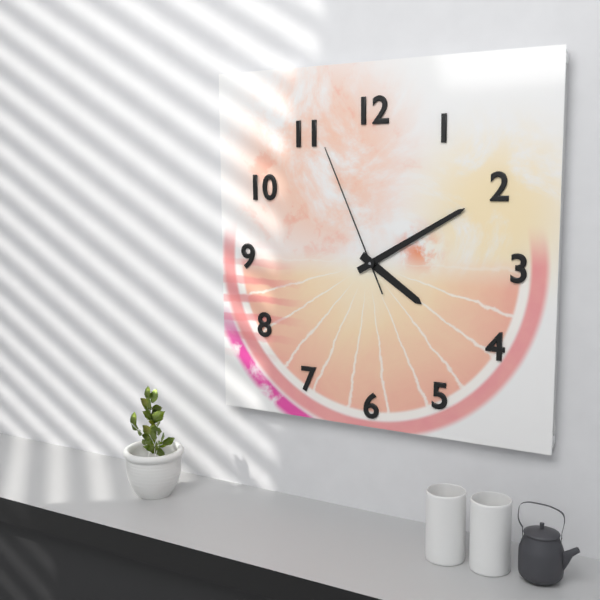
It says 4:10:56
